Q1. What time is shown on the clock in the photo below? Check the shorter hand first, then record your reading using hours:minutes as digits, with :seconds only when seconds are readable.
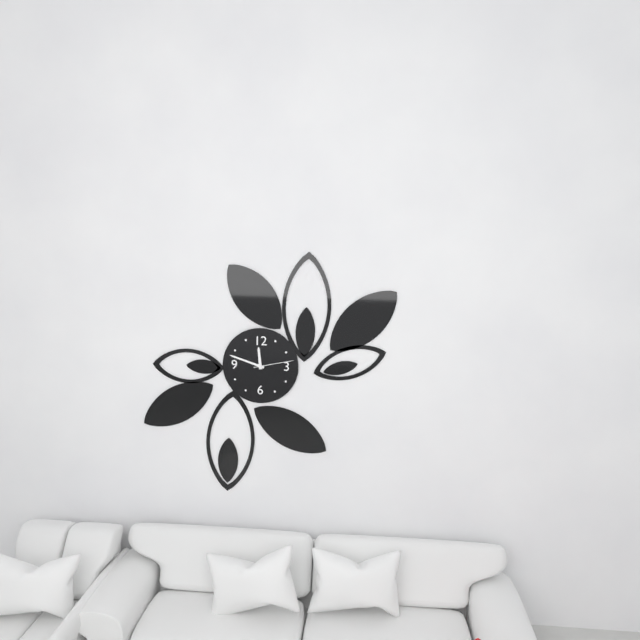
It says 11:48
